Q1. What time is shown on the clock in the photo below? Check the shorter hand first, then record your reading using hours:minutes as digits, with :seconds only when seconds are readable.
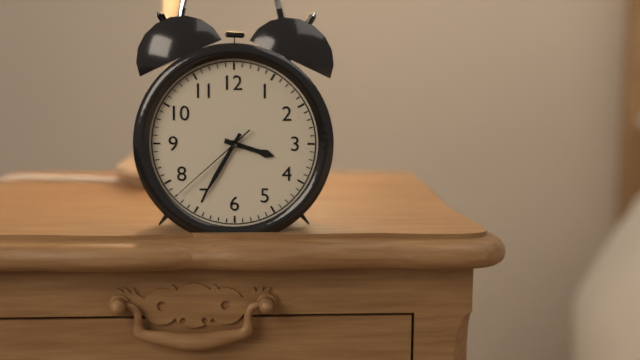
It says 3:35:38
